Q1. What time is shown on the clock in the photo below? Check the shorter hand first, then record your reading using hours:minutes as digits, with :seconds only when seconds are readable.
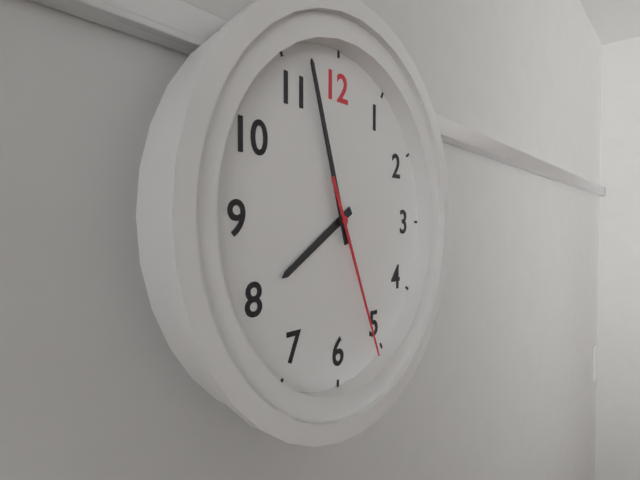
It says 7:57:26
